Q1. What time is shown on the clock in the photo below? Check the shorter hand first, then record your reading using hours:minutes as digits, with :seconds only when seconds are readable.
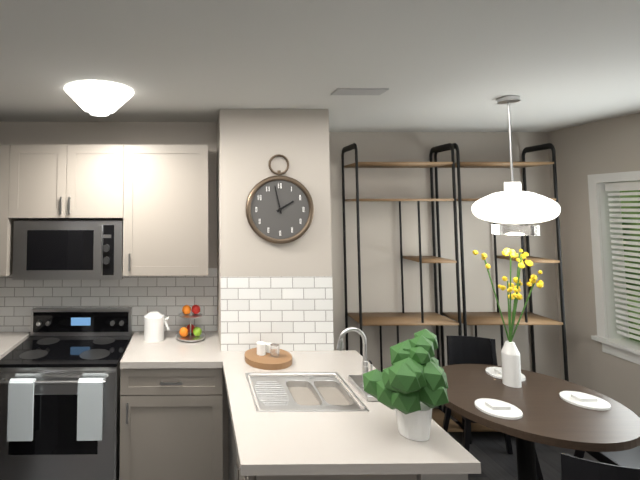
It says 1:58
